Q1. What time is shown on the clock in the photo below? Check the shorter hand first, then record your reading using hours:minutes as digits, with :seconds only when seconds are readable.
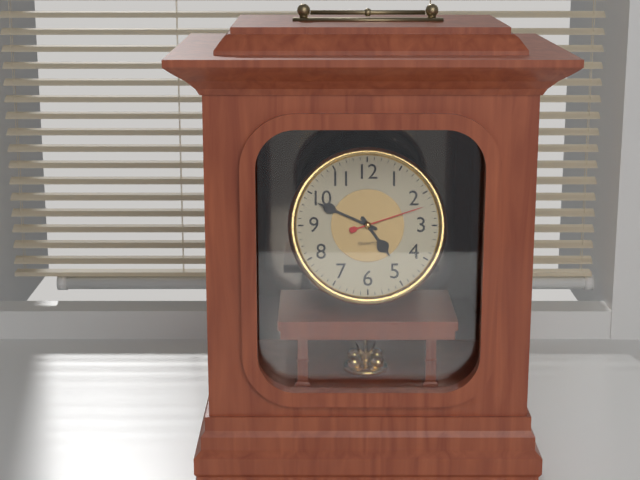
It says 4:49:12
